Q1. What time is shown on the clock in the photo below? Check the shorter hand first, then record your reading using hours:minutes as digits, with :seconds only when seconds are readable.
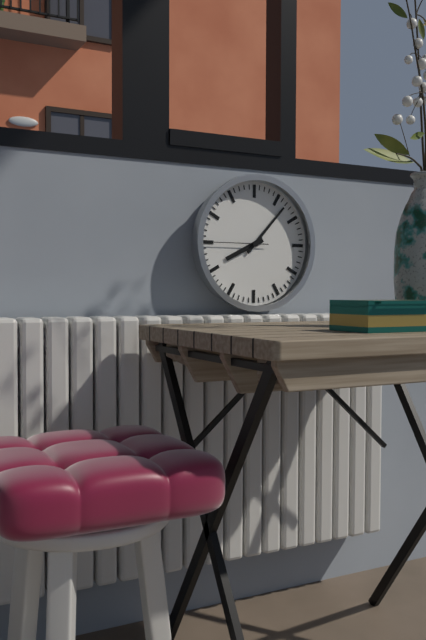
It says 8:07:45
